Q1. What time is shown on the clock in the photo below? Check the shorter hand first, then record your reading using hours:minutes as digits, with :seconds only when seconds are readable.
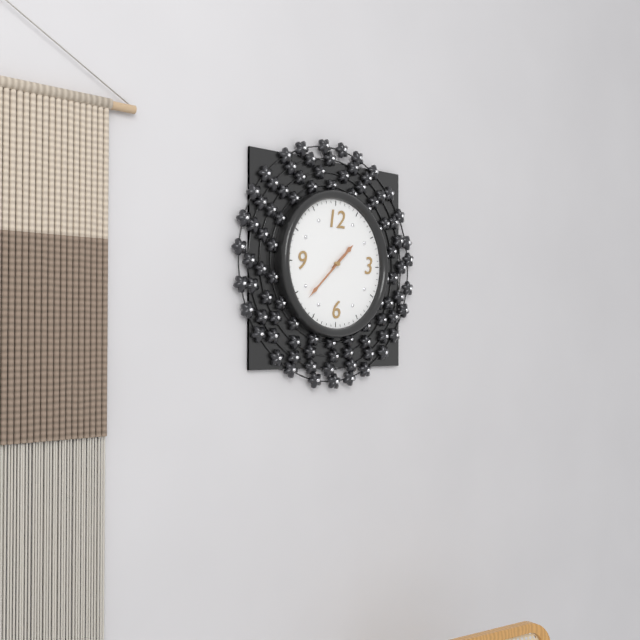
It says 1:38
